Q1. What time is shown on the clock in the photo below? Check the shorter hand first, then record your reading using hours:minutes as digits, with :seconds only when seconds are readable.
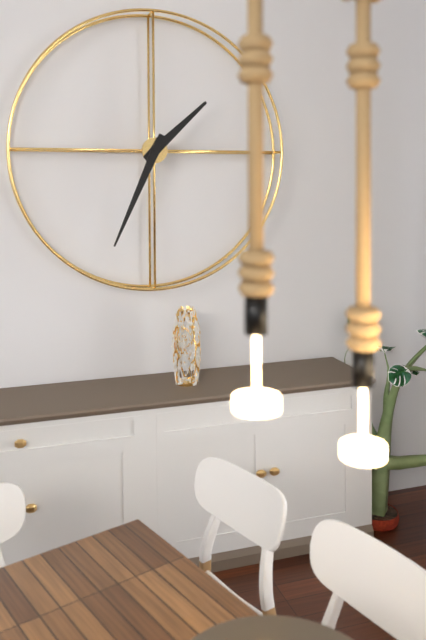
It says 1:34
